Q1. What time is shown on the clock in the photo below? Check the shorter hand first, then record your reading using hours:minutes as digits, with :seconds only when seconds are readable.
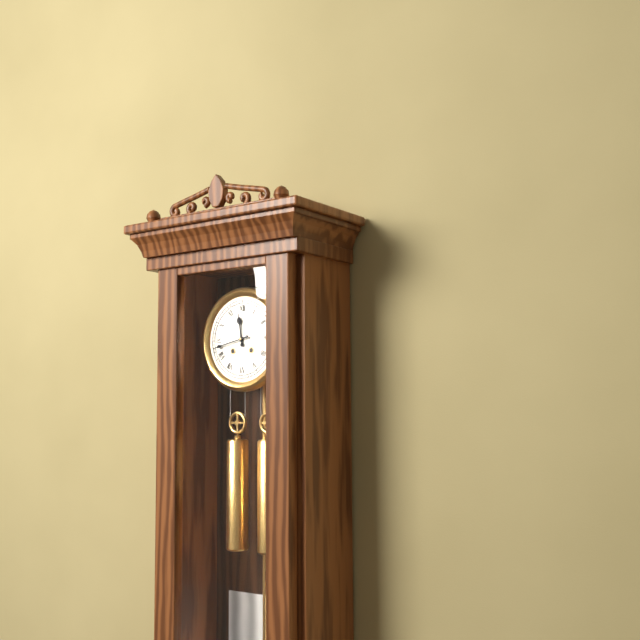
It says 11:43
